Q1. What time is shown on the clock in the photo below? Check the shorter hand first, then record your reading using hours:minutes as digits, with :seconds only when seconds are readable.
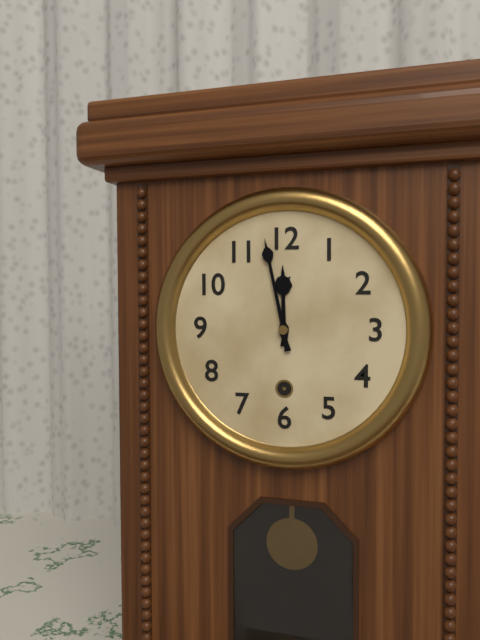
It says 11:58
